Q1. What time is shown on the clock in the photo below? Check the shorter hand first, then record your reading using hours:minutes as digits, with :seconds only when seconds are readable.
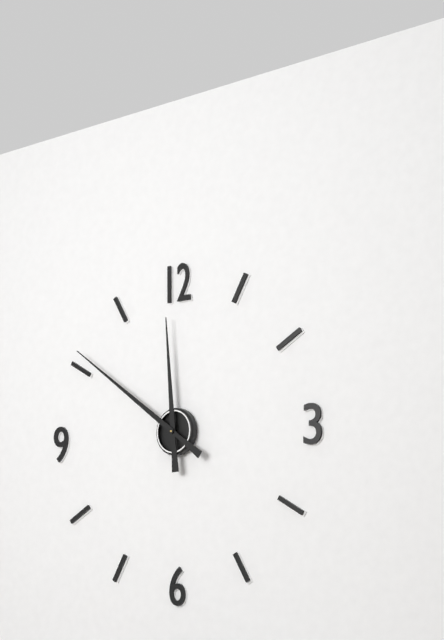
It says 11:51
